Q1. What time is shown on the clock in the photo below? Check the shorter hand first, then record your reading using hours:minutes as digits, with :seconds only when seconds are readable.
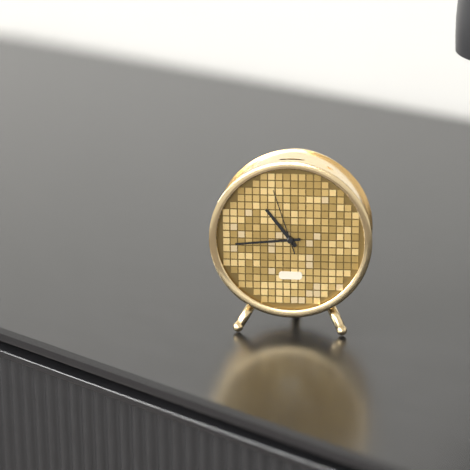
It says 10:44:57
